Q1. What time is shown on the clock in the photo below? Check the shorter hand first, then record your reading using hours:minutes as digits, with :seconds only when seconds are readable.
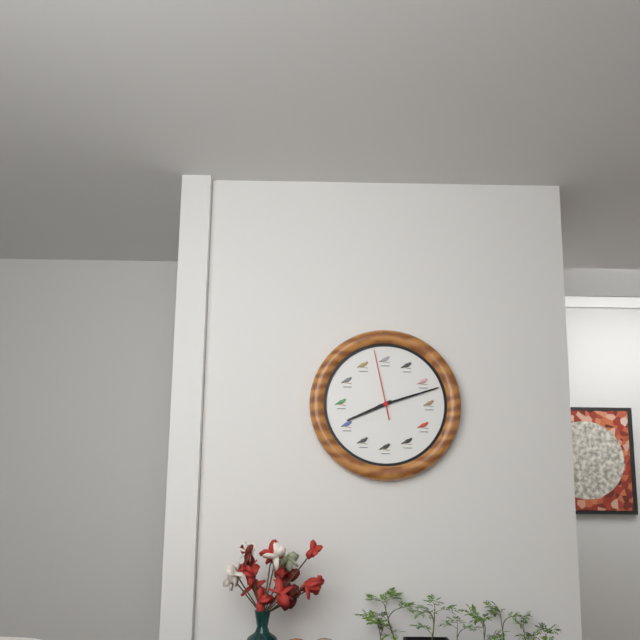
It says 8:12:58
